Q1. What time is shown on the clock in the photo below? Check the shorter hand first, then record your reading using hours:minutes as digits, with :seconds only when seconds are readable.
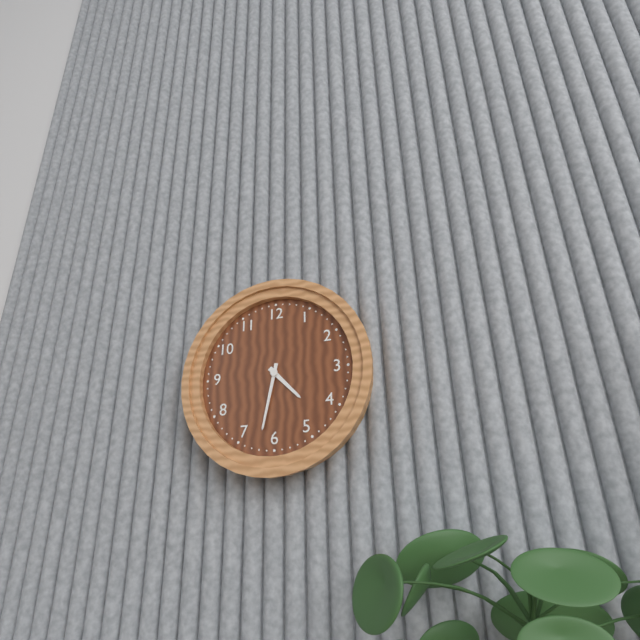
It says 4:32
